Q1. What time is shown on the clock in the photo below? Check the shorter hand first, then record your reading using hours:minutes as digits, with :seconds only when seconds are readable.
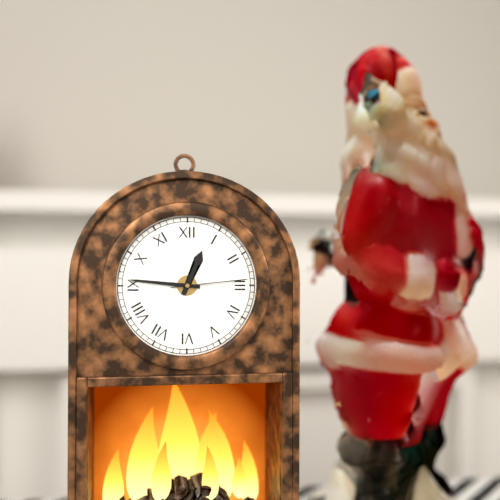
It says 12:46:14
